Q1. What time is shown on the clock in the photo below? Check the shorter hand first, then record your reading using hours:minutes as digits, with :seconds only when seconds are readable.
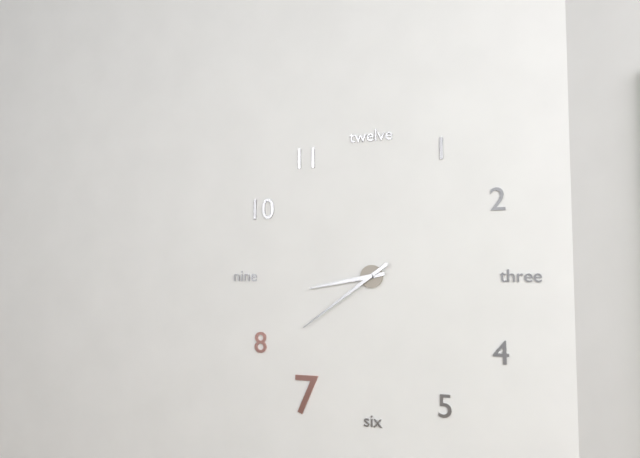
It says 8:39
